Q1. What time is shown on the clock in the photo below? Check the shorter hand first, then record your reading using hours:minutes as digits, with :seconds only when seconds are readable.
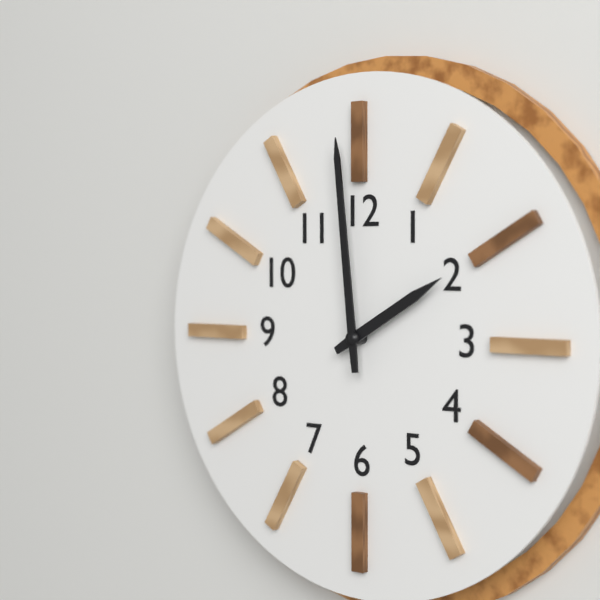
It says 1:59
